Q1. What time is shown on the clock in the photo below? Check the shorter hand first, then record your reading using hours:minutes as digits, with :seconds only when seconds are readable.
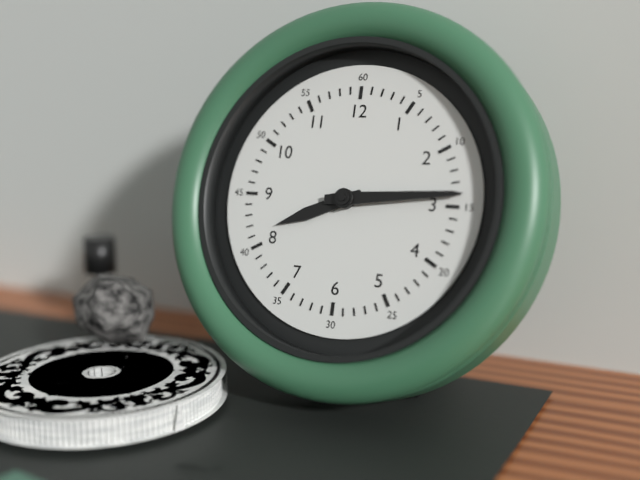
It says 8:14
